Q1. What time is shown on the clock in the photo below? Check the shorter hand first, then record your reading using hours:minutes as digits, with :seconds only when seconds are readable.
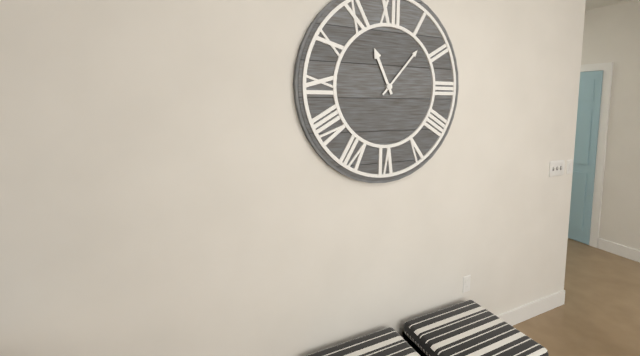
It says 11:07
